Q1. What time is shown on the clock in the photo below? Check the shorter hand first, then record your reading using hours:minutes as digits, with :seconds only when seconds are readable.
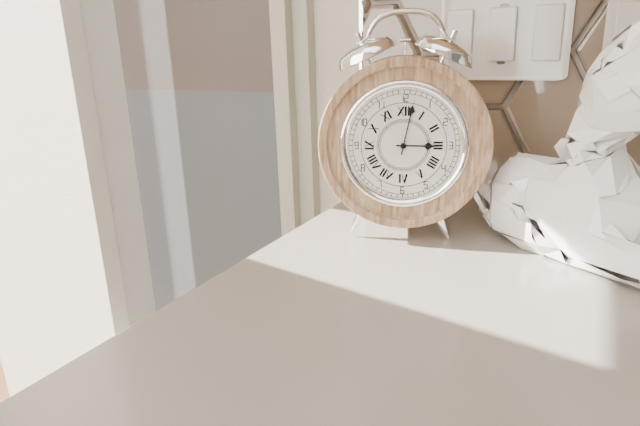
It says 3:02
